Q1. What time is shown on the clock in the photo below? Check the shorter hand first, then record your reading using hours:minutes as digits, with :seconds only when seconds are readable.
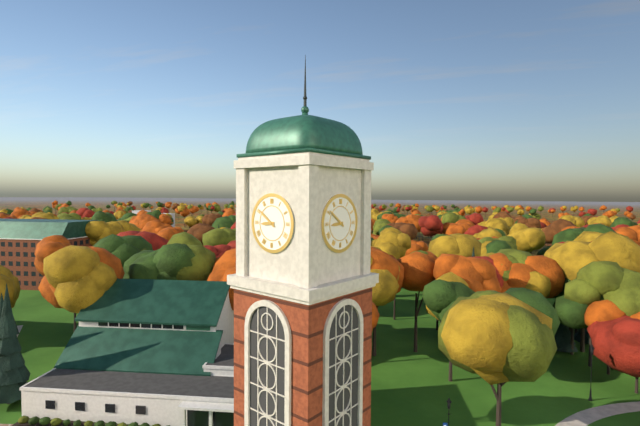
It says 8:51
